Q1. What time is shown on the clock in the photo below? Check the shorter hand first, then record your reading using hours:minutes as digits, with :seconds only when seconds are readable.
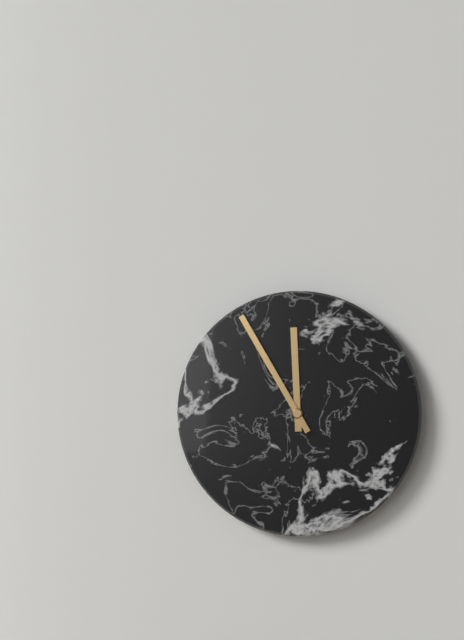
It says 11:55
